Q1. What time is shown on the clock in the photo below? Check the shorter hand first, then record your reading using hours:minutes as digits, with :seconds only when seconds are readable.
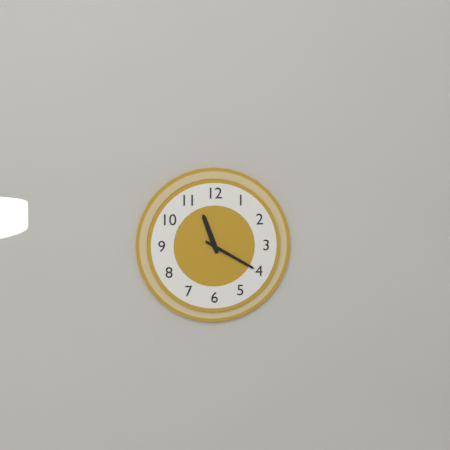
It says 11:20
